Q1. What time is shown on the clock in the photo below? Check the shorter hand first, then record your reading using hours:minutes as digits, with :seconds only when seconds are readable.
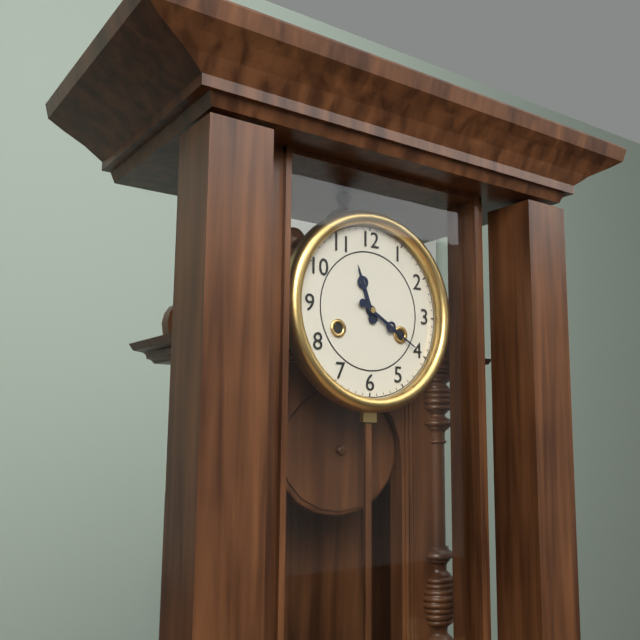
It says 11:20
